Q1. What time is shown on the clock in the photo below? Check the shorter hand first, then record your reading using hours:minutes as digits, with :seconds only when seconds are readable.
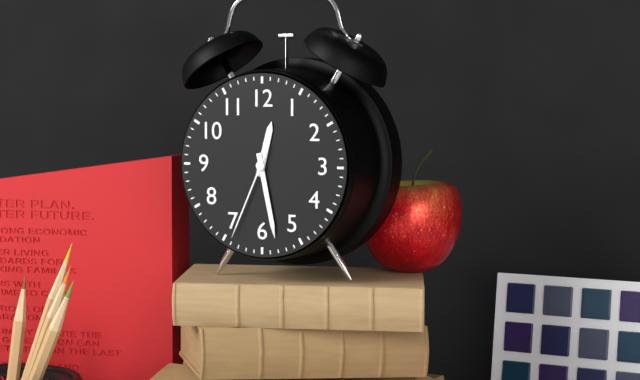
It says 12:28:34
